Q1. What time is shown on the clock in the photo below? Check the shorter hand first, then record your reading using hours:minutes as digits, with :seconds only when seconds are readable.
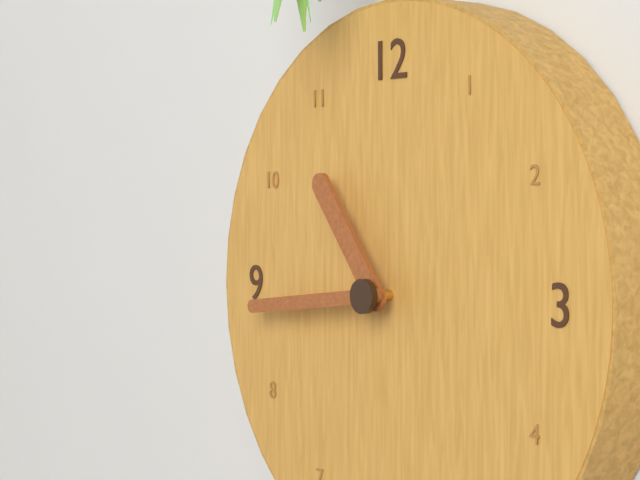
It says 10:44
